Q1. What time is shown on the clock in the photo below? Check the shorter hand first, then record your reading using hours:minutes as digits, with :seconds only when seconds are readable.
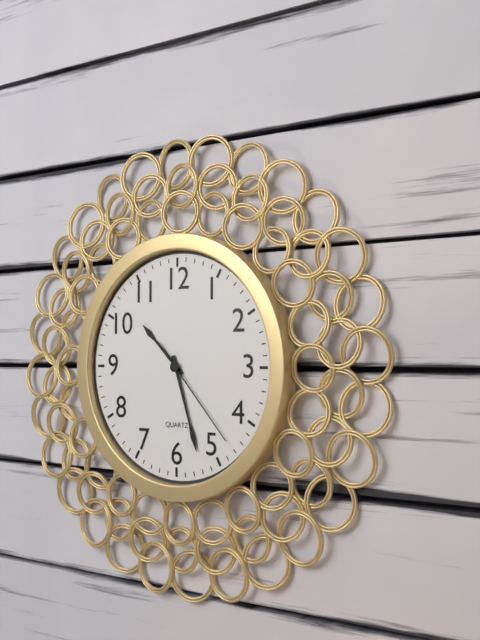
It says 10:27:23
